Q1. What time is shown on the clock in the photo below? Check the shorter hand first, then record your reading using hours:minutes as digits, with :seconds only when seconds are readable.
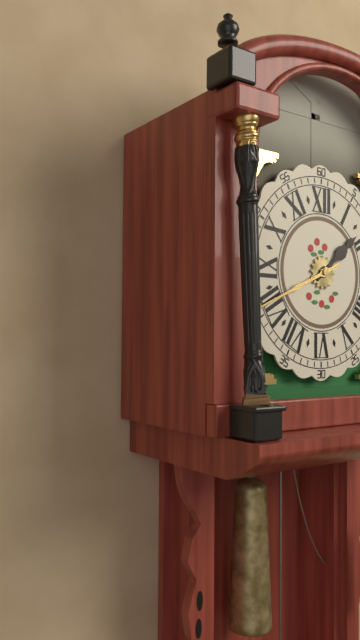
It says 1:41
